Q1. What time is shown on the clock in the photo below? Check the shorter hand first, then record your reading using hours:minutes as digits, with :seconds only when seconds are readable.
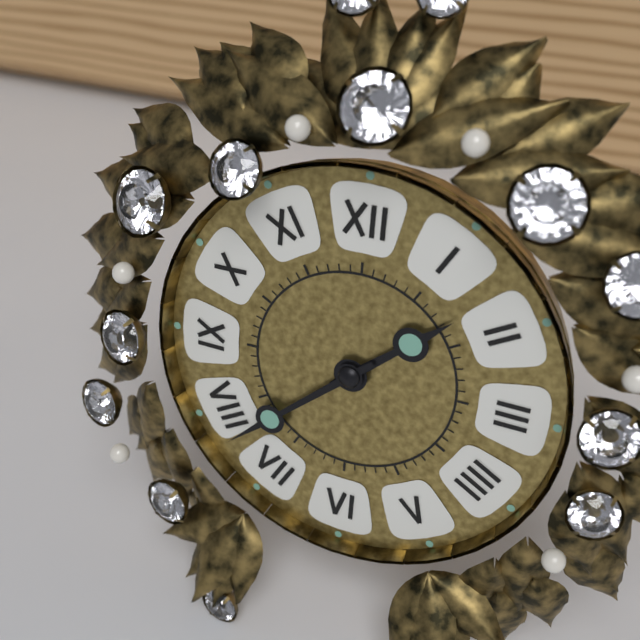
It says 1:38
